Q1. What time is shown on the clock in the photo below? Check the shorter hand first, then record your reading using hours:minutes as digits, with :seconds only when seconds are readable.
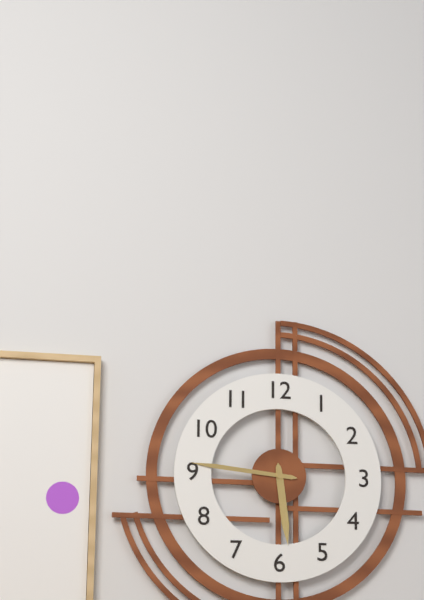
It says 5:46
